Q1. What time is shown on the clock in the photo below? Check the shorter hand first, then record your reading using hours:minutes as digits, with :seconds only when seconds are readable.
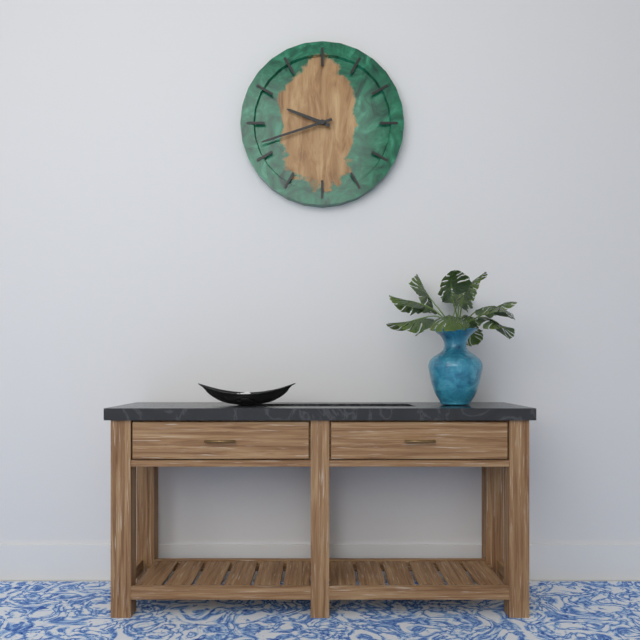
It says 9:42
